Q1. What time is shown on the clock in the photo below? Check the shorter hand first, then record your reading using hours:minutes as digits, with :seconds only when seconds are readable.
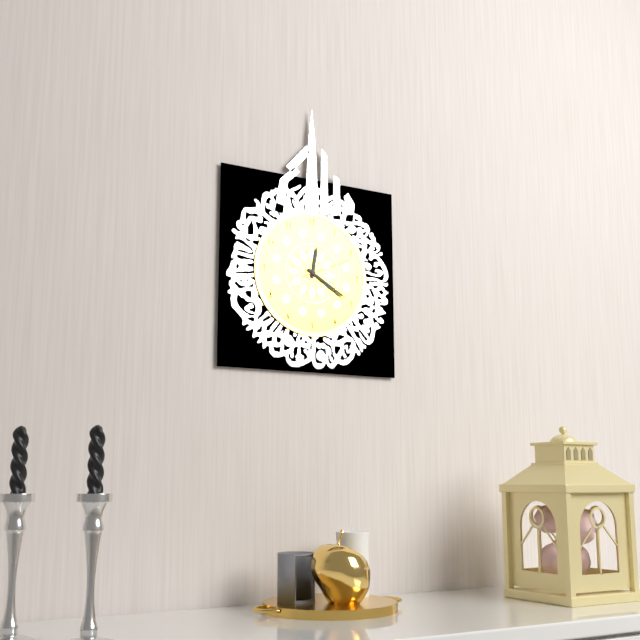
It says 12:20
